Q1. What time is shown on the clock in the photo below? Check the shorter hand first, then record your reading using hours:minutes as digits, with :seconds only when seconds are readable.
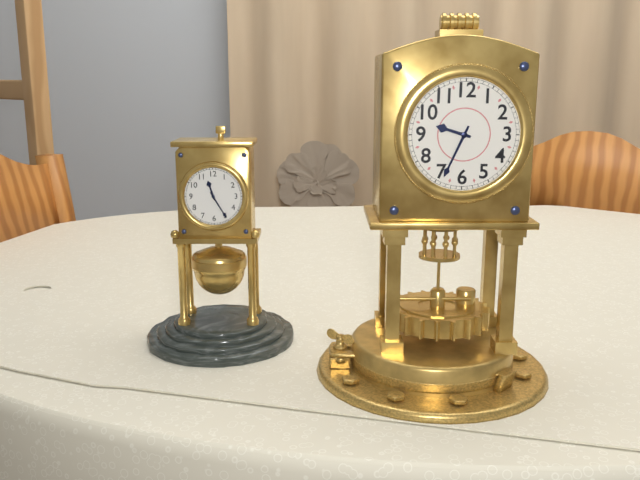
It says 9:34
